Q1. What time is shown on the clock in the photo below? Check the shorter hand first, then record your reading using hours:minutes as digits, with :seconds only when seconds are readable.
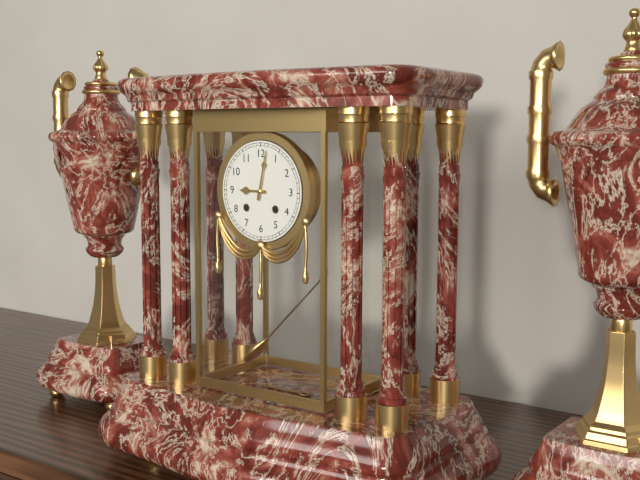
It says 9:02
